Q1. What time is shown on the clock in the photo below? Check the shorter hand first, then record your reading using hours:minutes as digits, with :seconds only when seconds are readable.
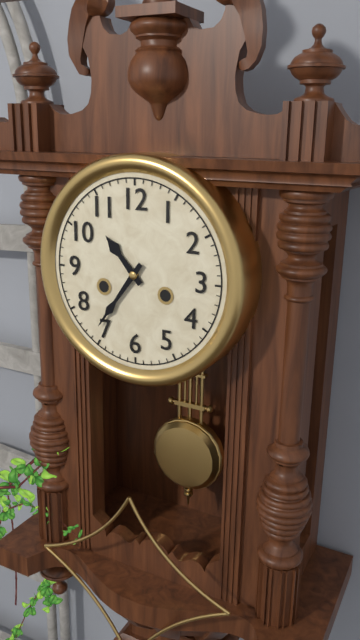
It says 10:36
